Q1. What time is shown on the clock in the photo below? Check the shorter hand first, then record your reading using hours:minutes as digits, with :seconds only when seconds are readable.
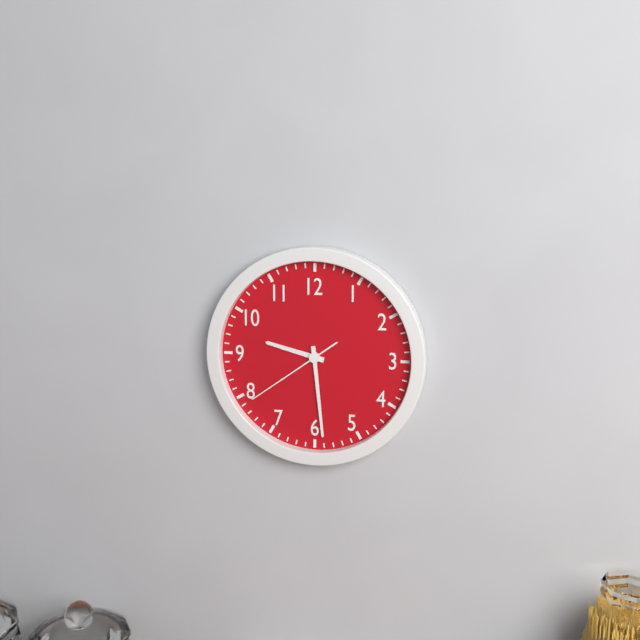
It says 9:29:39
